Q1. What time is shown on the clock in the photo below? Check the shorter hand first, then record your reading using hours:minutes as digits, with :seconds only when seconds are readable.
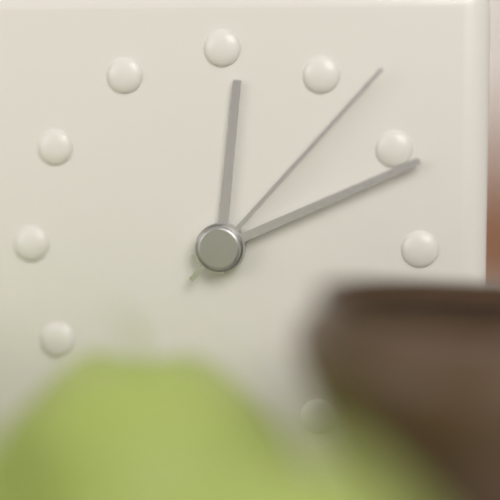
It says 12:11:07
